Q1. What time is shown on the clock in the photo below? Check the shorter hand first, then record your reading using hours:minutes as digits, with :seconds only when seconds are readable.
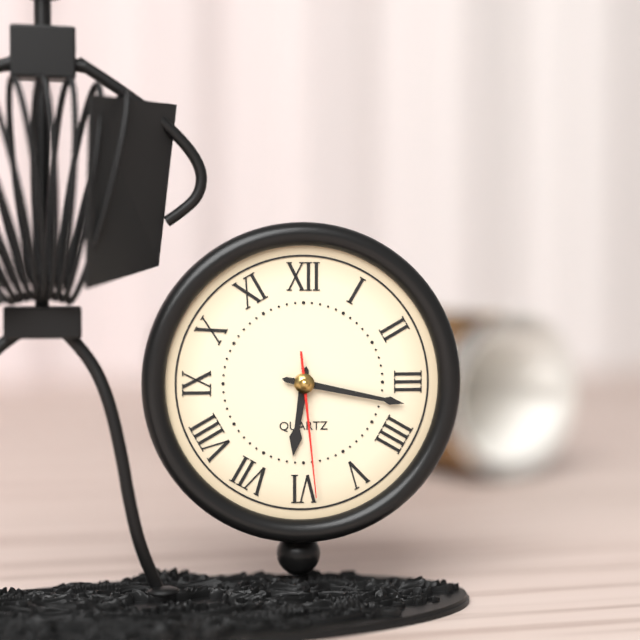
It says 6:17:29
